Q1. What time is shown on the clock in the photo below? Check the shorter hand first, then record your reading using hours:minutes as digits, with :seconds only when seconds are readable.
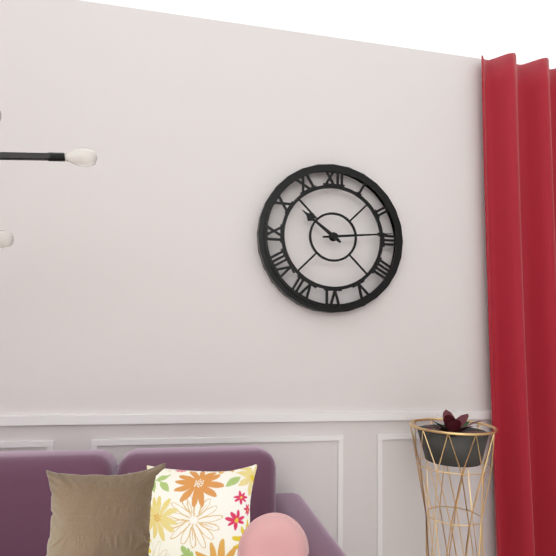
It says 10:14
